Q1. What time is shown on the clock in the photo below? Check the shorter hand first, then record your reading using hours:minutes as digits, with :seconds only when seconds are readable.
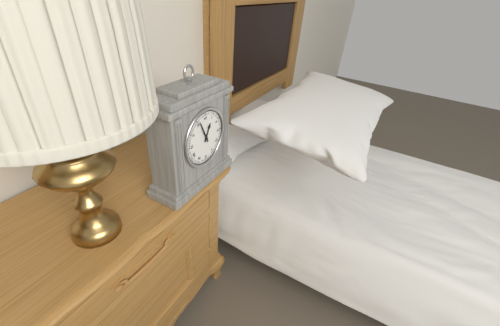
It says 12:56
